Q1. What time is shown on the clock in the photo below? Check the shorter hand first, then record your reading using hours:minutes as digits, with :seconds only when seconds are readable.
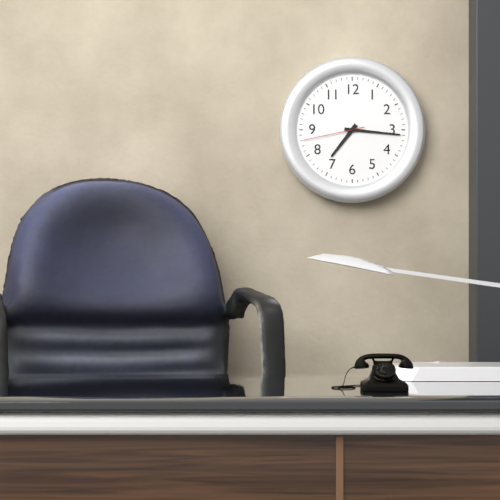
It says 7:16:43
